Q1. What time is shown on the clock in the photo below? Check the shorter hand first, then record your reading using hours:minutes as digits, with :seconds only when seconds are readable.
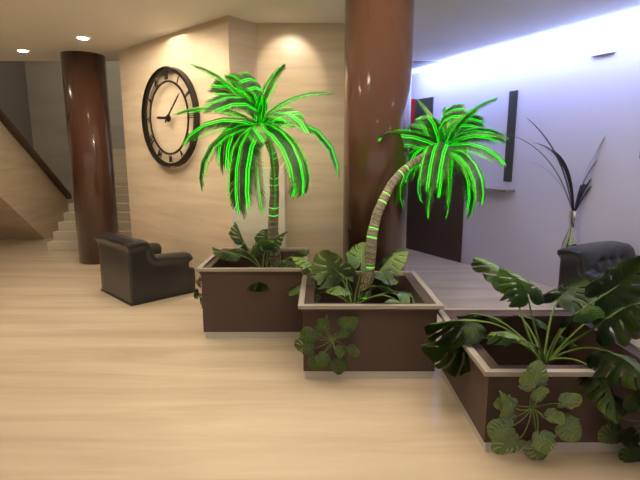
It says 9:08
